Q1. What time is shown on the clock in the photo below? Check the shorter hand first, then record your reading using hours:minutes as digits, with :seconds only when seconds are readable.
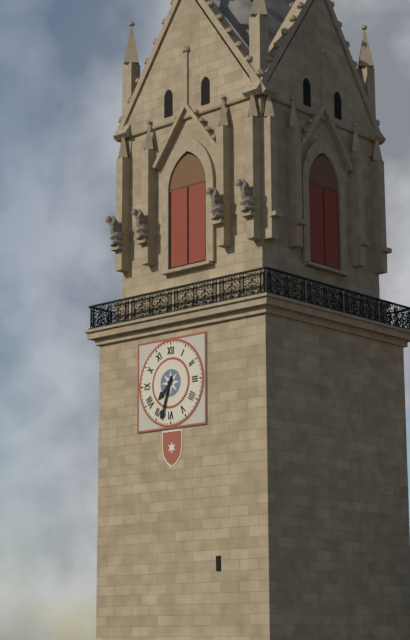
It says 7:33
